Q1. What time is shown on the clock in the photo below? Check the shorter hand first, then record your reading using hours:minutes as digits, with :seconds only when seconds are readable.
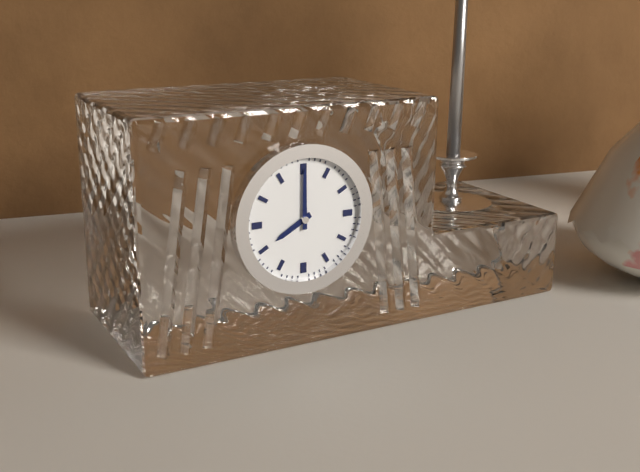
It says 8:00
